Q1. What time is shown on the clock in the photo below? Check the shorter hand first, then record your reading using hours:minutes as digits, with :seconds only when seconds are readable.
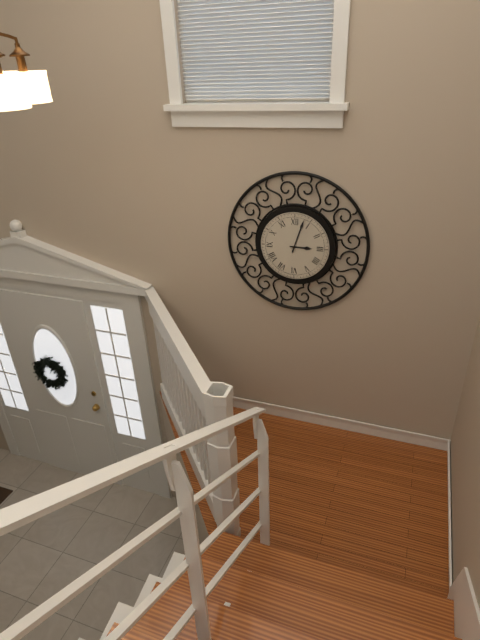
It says 3:03
